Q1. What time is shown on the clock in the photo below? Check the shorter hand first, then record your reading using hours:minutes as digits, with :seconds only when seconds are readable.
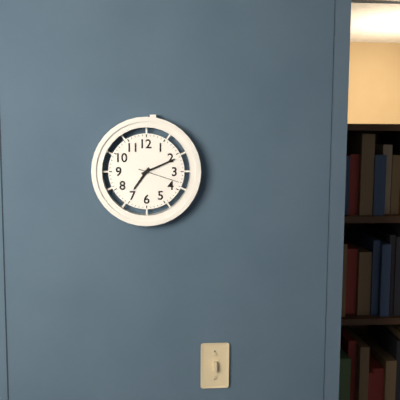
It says 7:11
